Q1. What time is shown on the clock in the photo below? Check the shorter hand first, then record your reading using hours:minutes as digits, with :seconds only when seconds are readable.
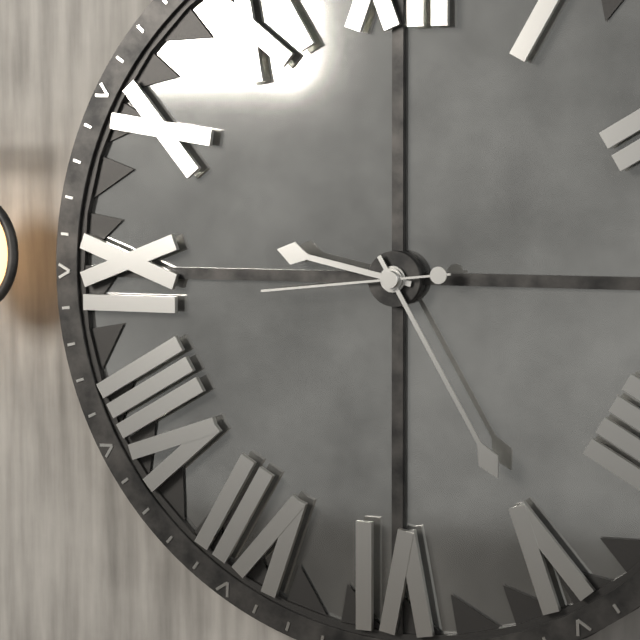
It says 9:25:44
